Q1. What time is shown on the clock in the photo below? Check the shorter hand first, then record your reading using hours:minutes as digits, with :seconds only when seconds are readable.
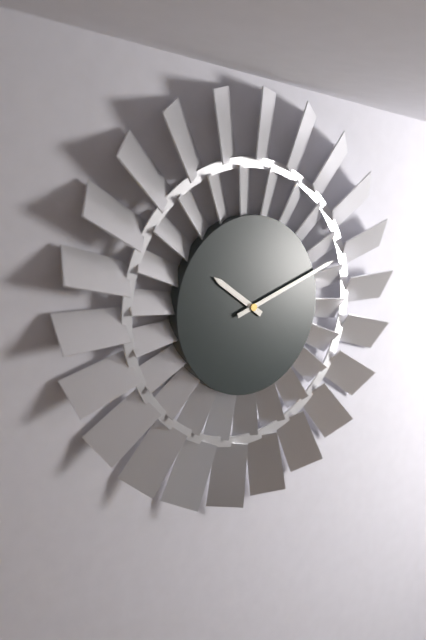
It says 10:12
